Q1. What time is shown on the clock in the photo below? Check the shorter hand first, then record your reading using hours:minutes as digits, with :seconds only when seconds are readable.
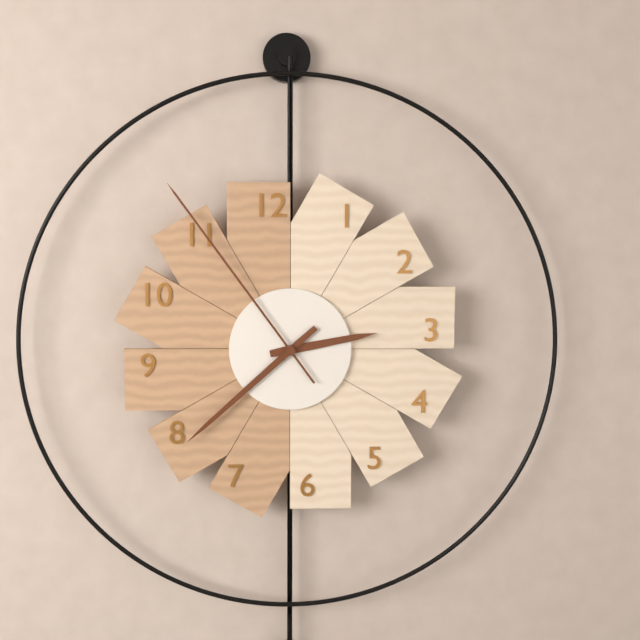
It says 2:38:54
